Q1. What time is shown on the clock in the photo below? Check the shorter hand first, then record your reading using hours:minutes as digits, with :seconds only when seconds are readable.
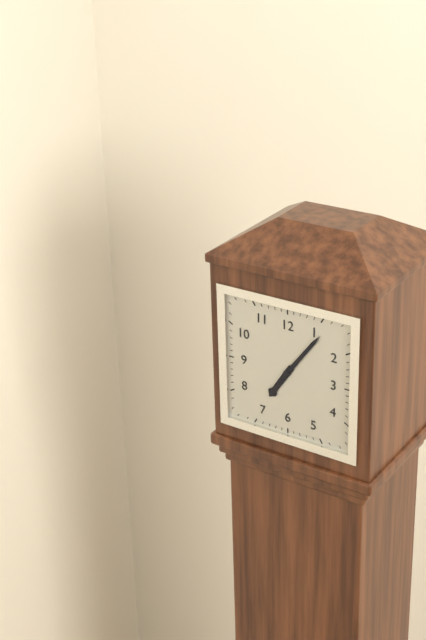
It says 7:06
